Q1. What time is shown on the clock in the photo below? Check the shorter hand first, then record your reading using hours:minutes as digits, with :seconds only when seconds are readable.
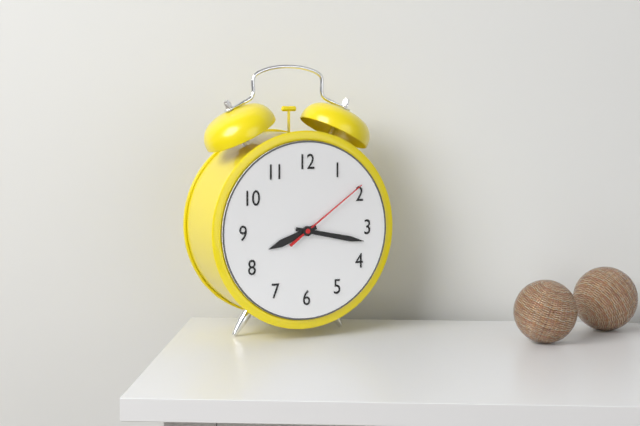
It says 8:17:09
